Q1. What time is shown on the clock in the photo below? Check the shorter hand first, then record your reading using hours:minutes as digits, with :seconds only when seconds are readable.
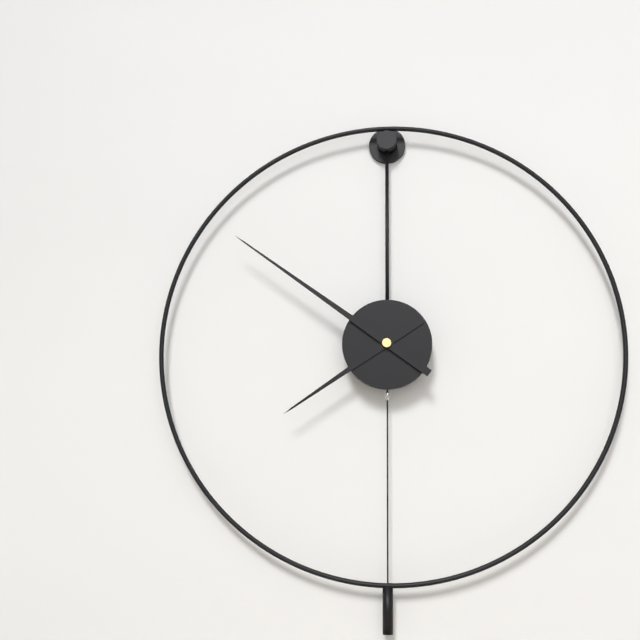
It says 7:51
